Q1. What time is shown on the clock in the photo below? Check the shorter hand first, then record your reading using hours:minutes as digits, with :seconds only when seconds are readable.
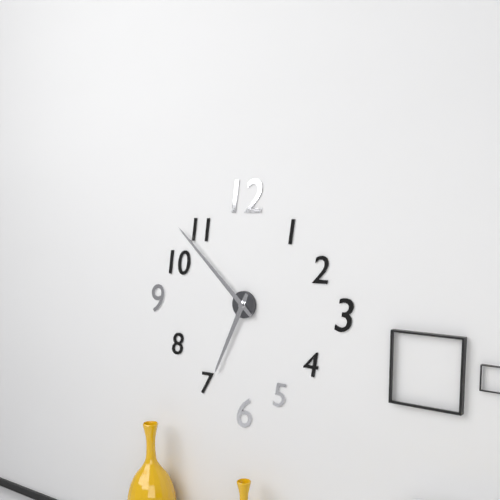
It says 6:52
